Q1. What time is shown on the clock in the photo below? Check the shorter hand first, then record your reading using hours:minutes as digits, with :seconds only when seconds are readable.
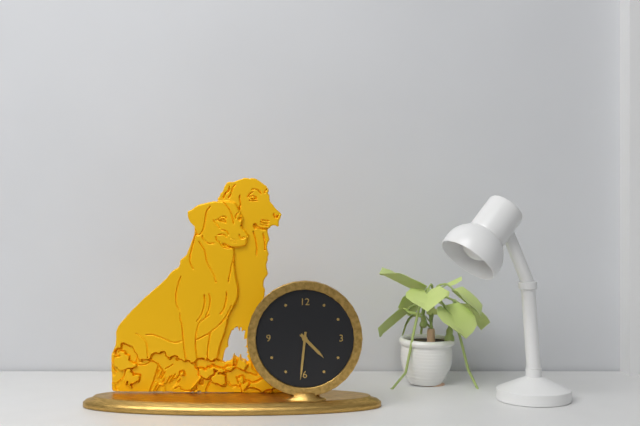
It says 4:31
